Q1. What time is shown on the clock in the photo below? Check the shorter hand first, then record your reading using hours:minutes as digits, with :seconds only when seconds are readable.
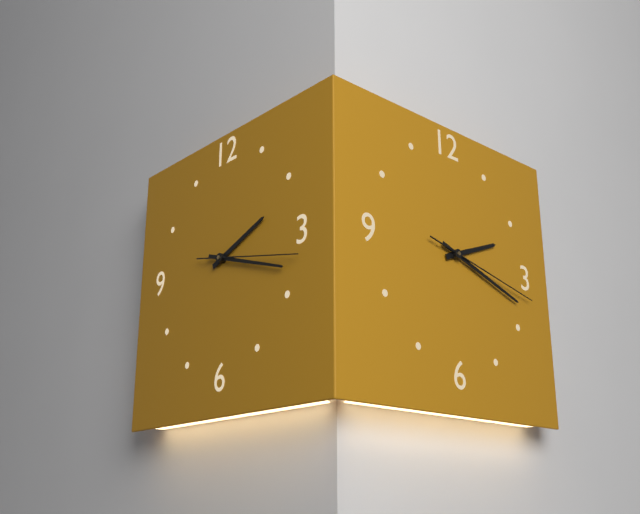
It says 2:18:17
